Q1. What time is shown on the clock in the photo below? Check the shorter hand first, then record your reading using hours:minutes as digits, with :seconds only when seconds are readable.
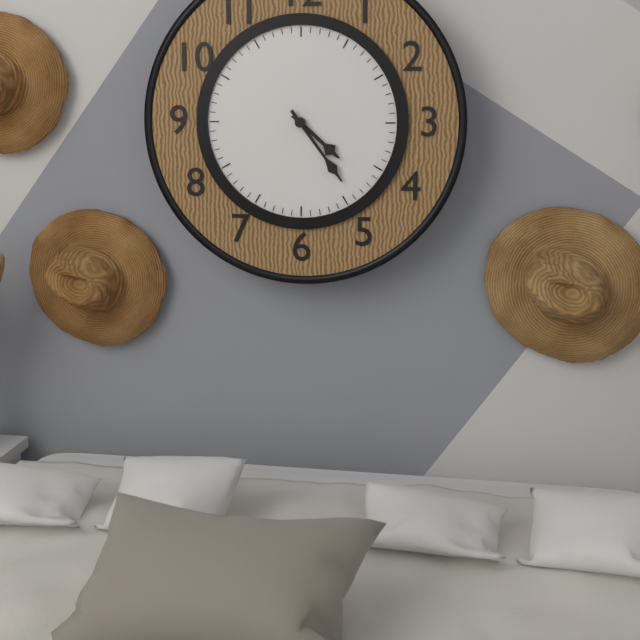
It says 4:24
